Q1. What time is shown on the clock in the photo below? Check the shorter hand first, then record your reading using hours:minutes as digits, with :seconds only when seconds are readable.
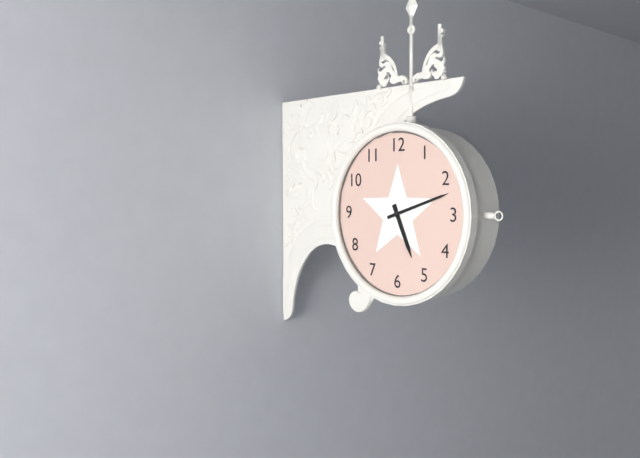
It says 5:12
